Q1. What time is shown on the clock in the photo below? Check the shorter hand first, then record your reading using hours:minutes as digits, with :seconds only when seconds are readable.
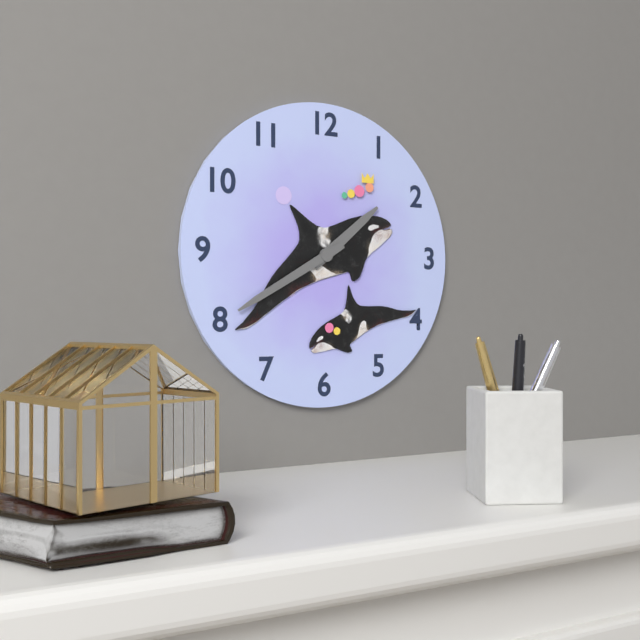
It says 1:40
